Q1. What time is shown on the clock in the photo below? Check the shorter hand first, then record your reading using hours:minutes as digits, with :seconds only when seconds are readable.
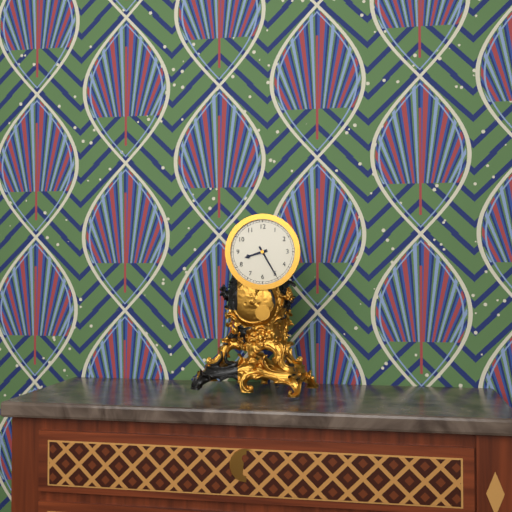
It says 8:25
